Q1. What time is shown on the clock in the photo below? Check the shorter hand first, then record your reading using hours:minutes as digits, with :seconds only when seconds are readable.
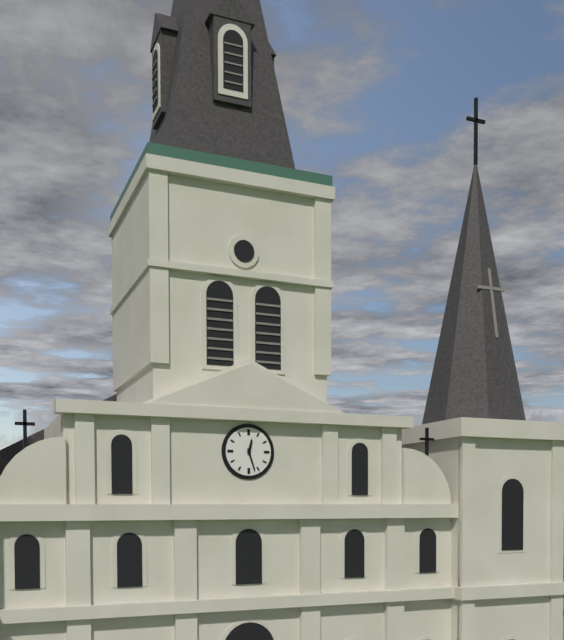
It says 12:27
